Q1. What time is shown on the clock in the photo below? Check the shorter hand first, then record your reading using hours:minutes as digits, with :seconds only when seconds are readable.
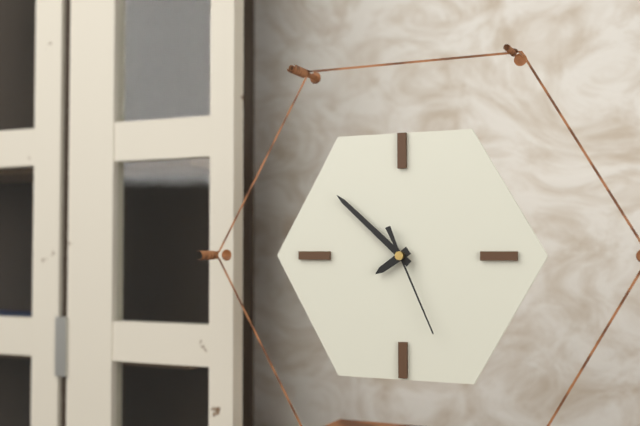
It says 7:52:26
